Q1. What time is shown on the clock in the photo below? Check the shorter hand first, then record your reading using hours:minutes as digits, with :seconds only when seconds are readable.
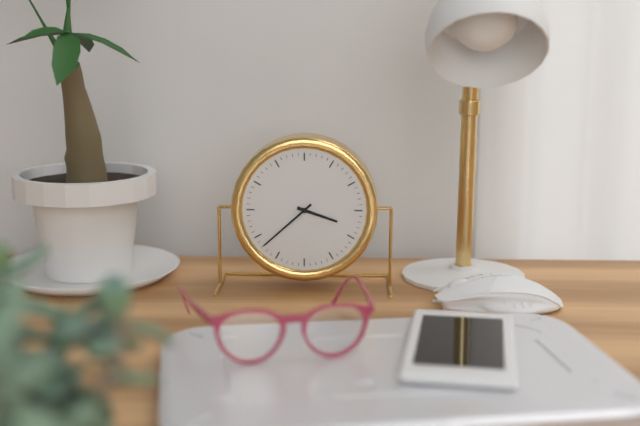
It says 3:38
